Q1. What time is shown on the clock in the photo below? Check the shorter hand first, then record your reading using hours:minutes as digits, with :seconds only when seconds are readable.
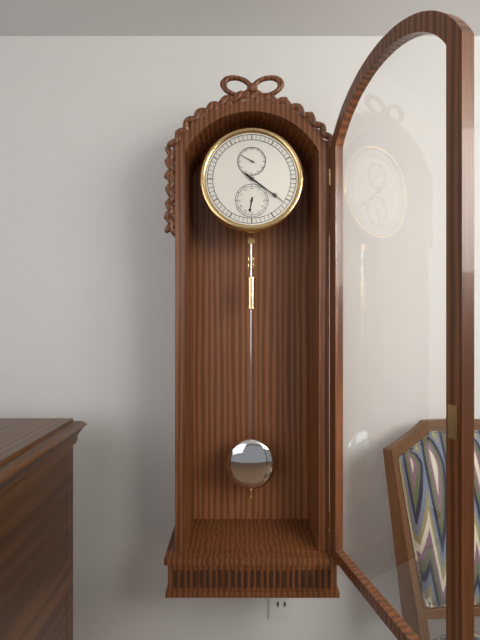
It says 6:21
